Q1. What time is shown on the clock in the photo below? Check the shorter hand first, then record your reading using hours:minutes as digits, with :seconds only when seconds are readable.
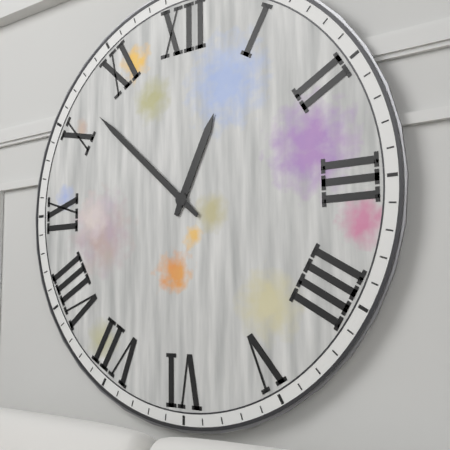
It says 12:52
